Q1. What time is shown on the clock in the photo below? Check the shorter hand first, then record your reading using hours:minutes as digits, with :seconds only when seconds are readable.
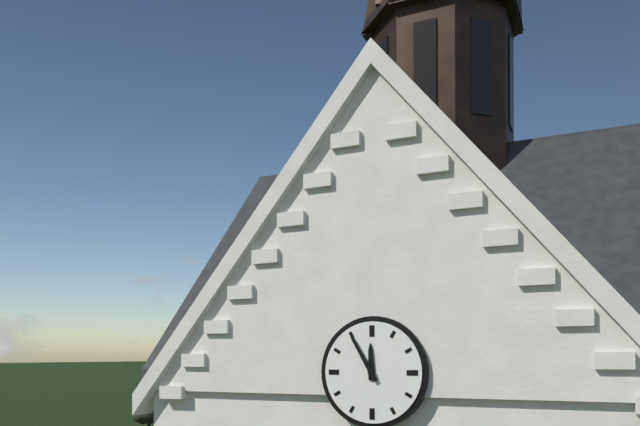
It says 11:55
